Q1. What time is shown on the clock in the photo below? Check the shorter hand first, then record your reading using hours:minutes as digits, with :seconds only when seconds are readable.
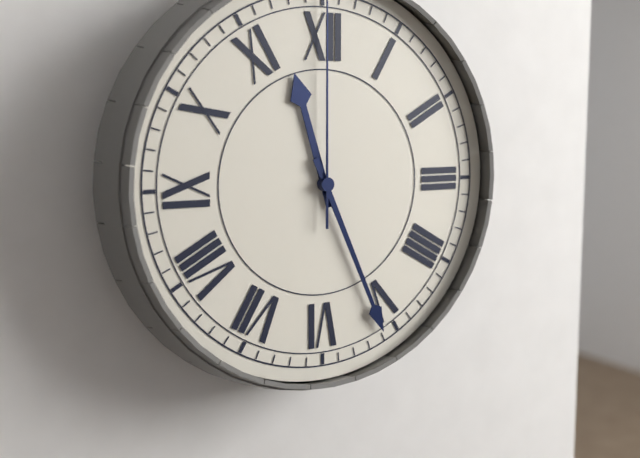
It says 11:26
